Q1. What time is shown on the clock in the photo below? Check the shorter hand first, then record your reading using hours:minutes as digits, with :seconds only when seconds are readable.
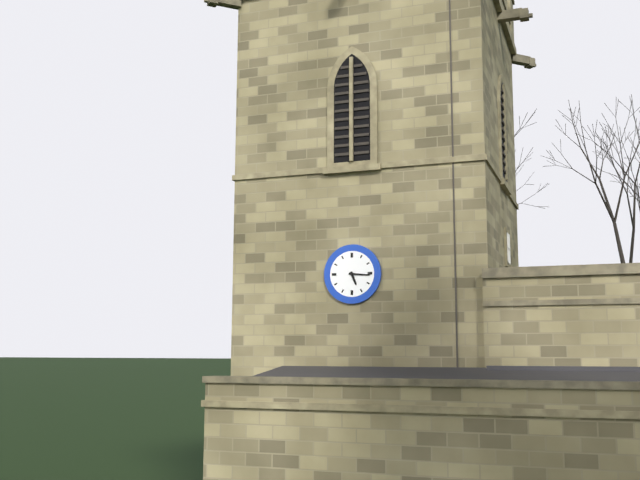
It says 5:16
